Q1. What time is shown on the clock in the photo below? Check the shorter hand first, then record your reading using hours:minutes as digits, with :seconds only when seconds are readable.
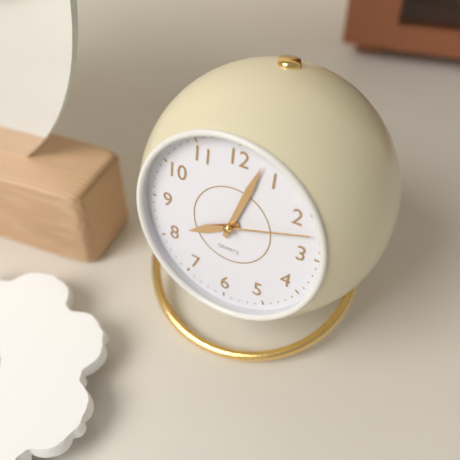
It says 8:03:12
